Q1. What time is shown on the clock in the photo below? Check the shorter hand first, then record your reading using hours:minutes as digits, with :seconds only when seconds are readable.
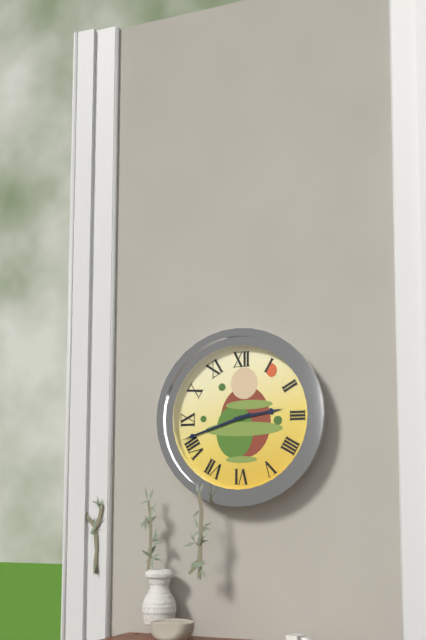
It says 2:42
